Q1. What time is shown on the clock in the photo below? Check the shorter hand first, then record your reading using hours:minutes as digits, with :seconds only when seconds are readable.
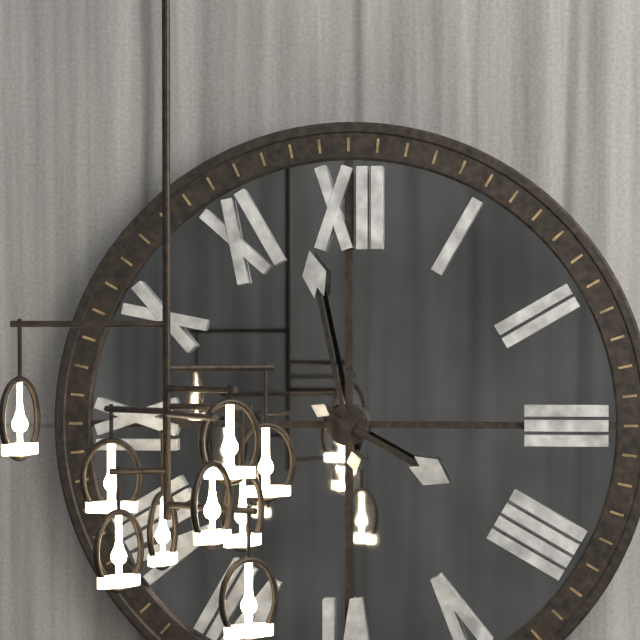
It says 3:58
